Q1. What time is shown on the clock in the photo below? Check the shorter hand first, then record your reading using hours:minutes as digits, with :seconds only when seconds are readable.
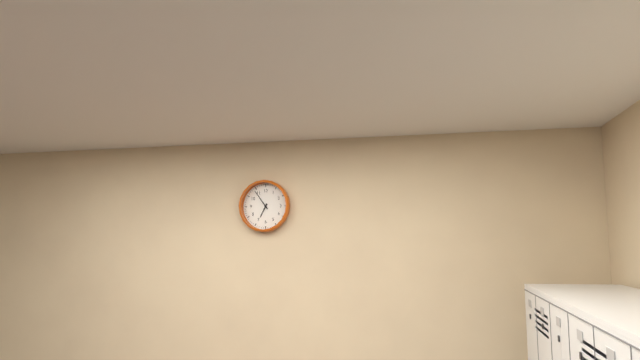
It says 6:54
